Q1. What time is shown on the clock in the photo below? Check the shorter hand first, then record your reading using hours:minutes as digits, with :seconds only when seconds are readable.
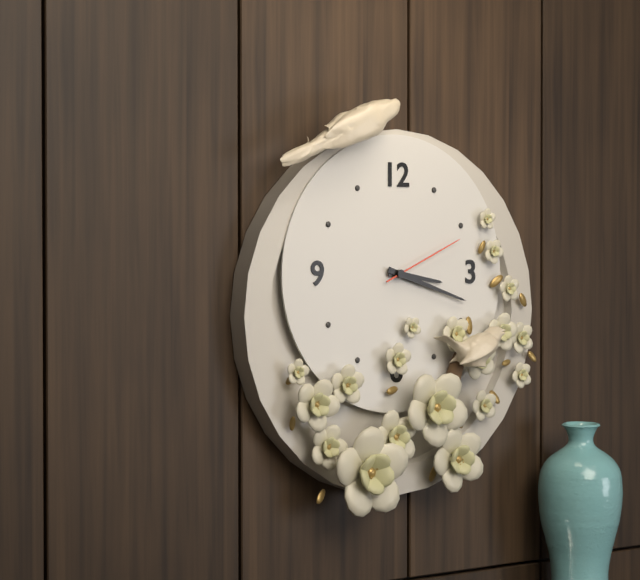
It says 3:18:11
